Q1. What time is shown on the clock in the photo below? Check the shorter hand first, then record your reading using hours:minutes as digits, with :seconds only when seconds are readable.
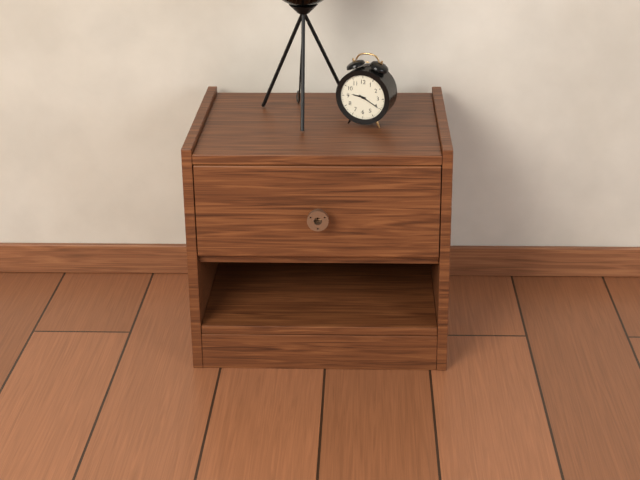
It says 9:20
